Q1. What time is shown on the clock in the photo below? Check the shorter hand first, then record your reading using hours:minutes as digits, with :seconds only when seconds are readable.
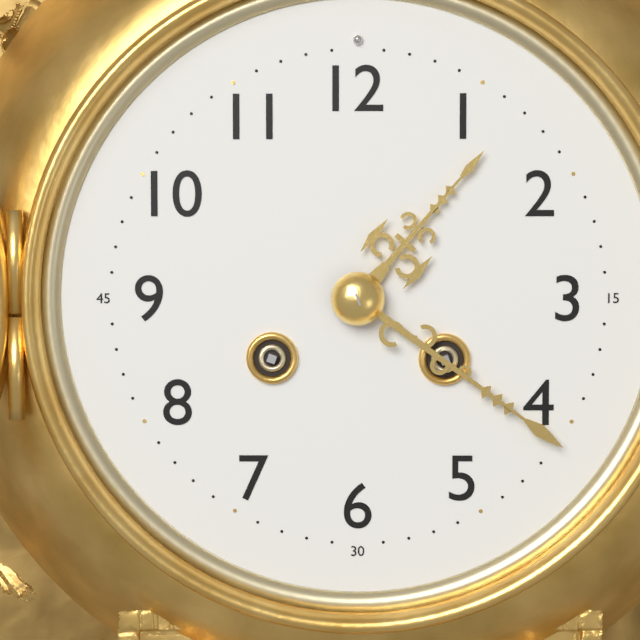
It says 1:21
